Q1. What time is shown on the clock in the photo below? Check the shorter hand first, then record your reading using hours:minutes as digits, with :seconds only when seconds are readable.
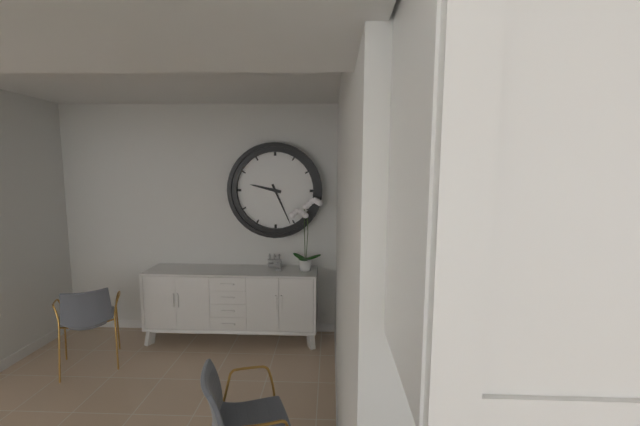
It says 9:26
